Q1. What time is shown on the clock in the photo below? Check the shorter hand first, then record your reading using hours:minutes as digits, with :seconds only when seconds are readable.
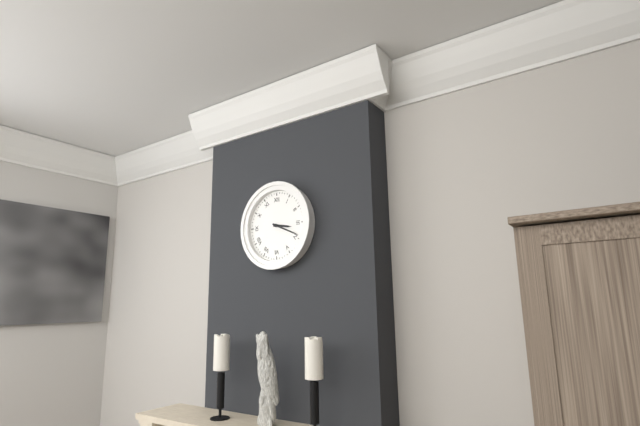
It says 3:19
